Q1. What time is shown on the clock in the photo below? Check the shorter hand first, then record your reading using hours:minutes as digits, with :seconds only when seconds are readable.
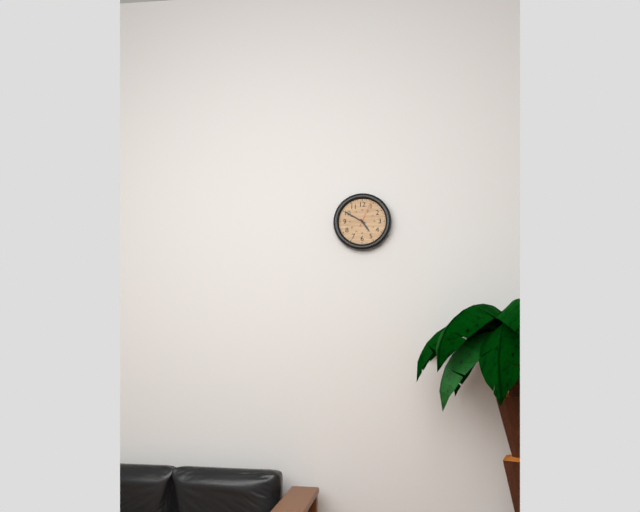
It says 4:50
